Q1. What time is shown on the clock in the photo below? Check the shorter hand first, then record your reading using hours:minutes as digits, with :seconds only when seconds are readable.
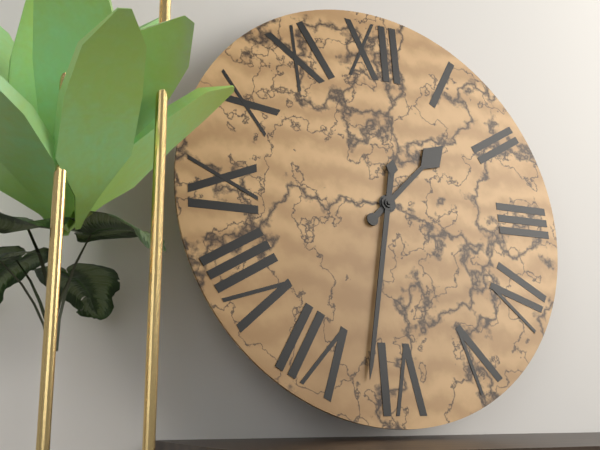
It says 1:32
